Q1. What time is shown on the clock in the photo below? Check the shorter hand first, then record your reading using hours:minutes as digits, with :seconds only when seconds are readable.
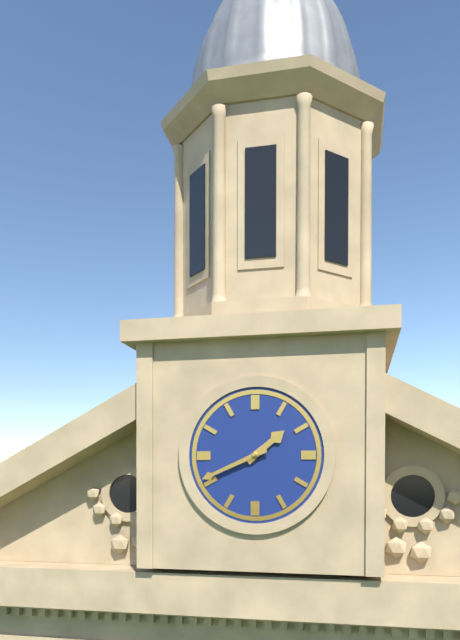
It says 1:41
